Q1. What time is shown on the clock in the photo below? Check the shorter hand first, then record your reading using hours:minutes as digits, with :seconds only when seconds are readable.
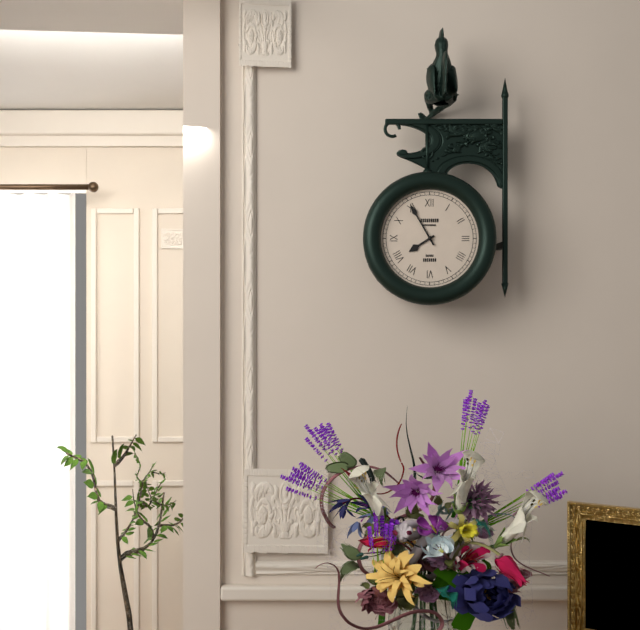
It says 7:55
